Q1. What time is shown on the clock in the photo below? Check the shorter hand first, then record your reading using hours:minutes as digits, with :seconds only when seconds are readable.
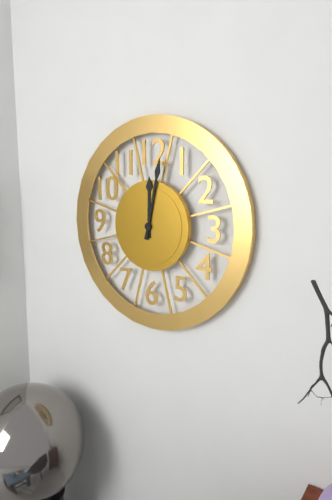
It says 12:02
